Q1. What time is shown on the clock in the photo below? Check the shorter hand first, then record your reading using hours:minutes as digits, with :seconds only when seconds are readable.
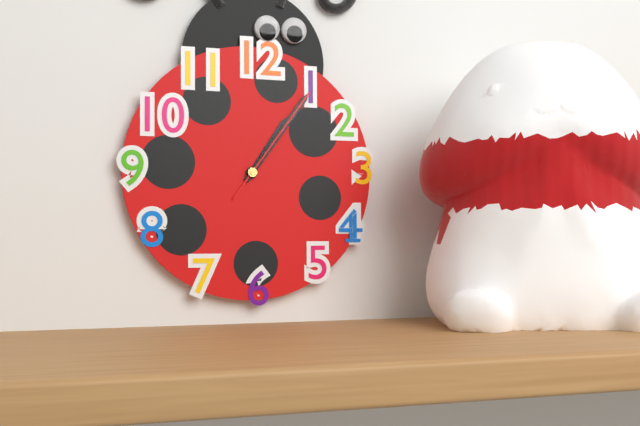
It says 1:06:06
